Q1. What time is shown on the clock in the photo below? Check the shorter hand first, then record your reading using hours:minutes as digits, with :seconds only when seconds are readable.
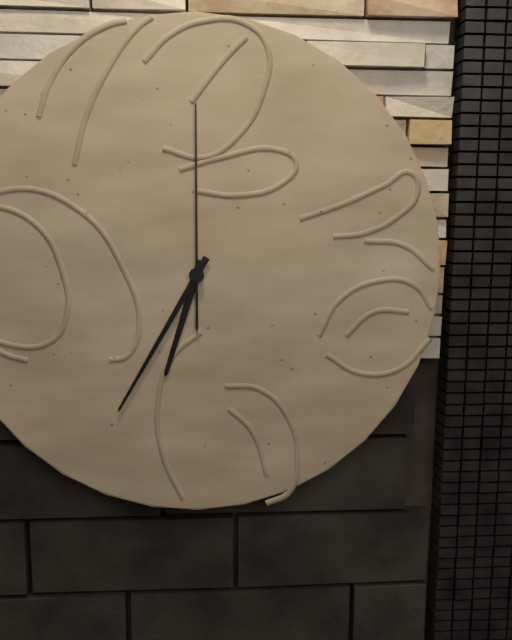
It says 6:35:00
